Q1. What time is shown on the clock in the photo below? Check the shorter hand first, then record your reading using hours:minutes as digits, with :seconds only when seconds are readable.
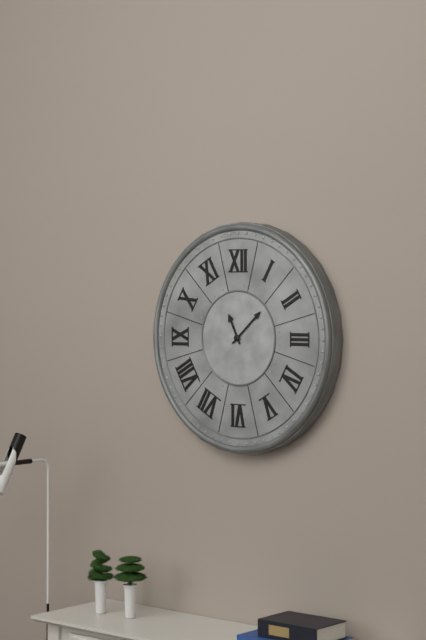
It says 11:08
